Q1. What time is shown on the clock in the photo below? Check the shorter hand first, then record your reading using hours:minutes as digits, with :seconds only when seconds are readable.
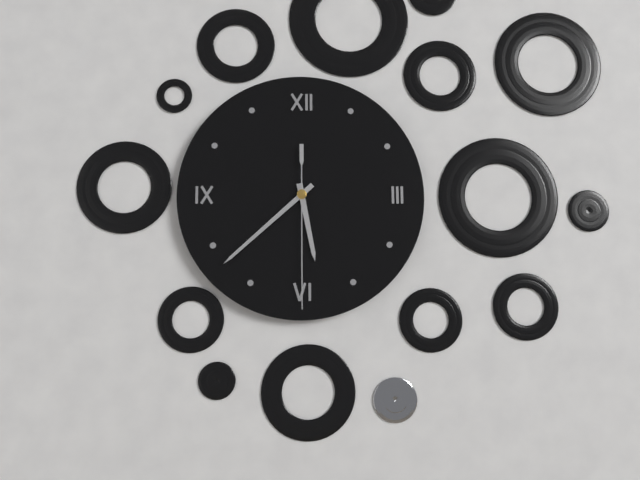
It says 5:38:30
